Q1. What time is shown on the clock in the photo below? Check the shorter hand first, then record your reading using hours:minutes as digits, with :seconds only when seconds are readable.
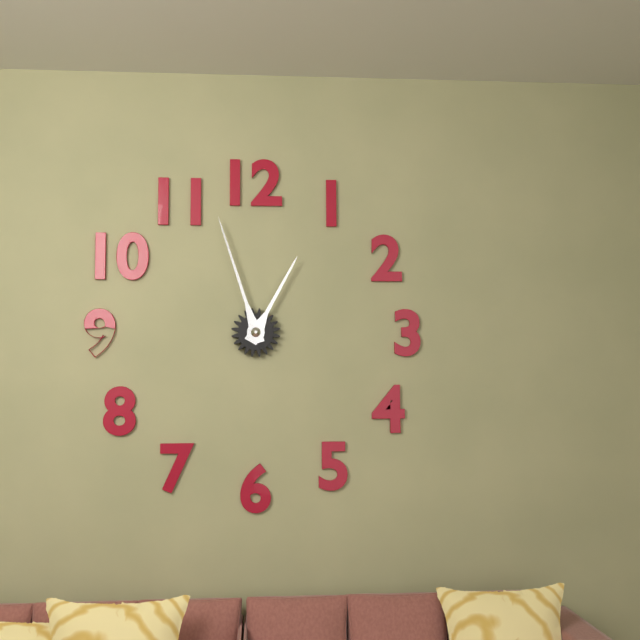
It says 12:57
